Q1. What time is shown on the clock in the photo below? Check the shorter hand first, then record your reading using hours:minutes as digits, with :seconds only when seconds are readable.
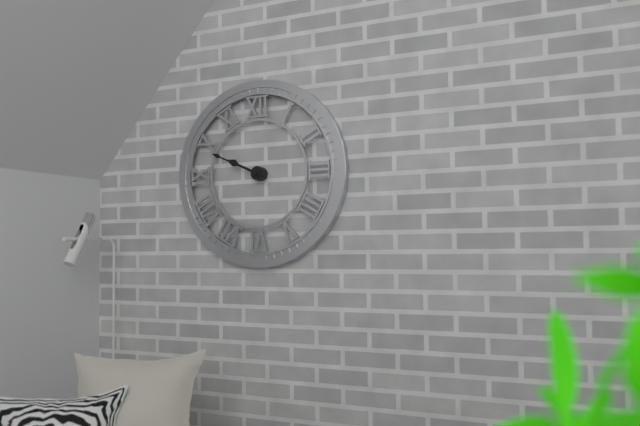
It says 9:49
